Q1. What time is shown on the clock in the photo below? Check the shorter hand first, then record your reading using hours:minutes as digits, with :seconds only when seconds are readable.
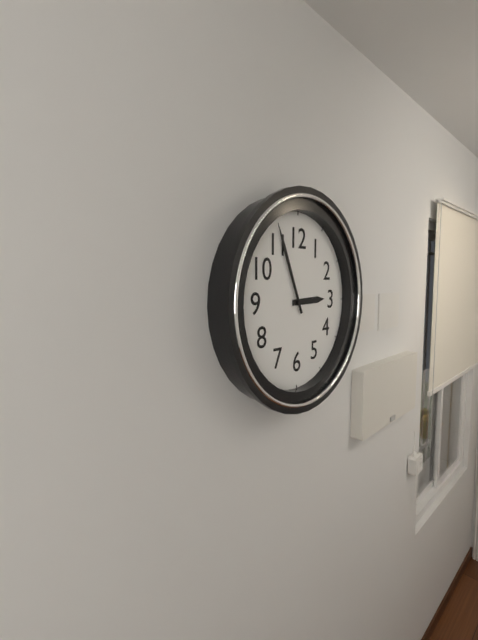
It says 2:56
